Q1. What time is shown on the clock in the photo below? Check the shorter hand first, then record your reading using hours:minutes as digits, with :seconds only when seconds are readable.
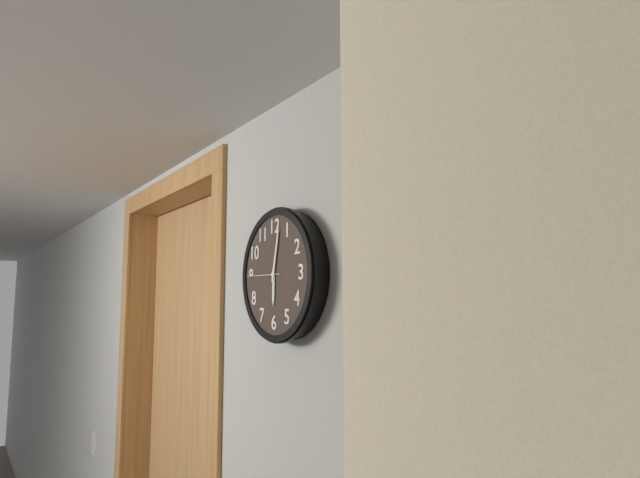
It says 6:02
